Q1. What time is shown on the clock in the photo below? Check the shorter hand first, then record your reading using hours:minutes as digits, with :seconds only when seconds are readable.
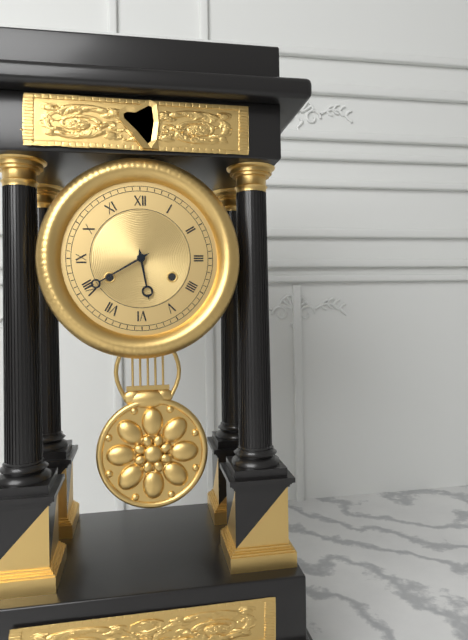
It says 5:40
